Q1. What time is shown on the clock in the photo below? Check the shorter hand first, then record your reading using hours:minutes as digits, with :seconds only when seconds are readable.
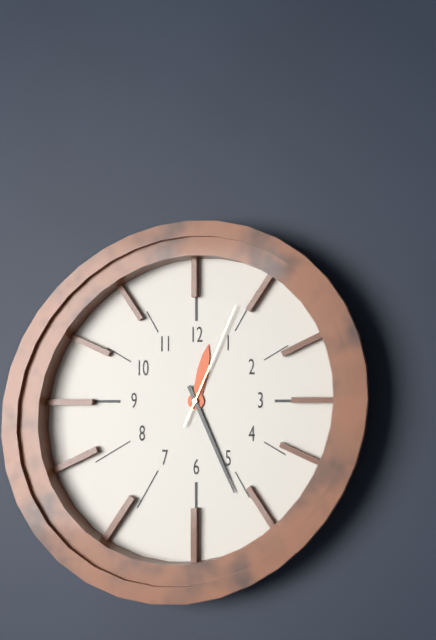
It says 12:26:04
